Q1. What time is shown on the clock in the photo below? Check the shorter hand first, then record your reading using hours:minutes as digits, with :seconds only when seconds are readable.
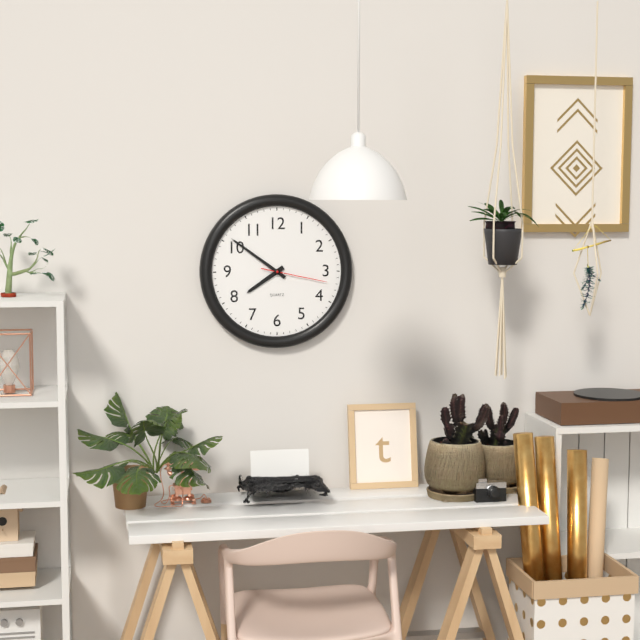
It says 7:51:17
